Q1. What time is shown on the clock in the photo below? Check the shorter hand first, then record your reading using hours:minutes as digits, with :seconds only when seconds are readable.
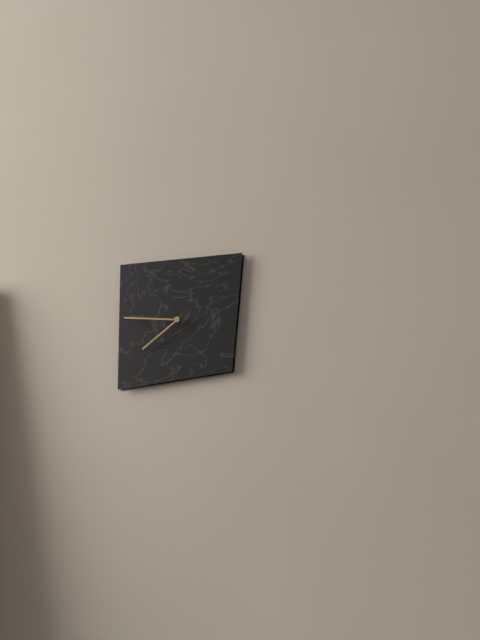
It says 7:46
